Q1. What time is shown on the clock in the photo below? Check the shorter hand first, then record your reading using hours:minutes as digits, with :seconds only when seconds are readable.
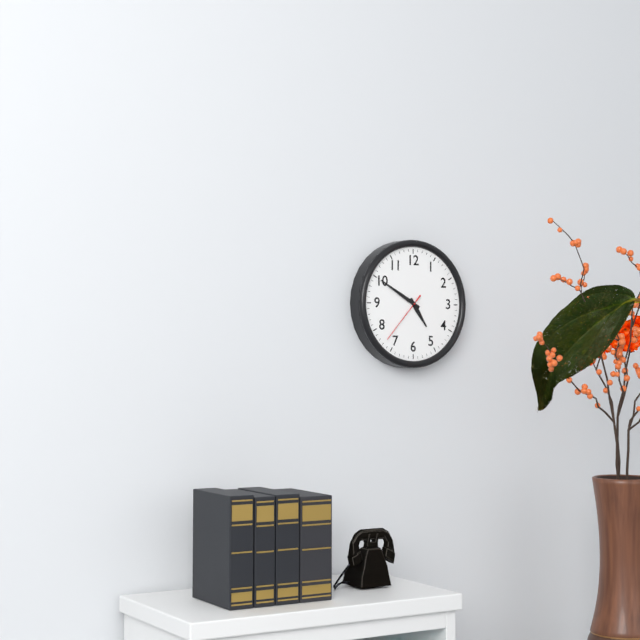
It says 4:50:37
